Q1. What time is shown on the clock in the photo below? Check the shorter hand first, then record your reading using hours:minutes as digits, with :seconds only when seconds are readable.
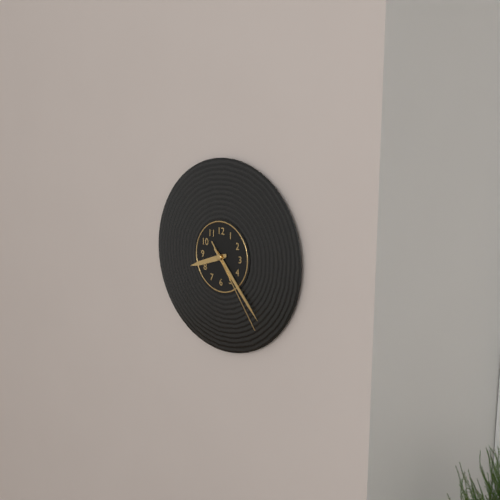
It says 8:23:24
